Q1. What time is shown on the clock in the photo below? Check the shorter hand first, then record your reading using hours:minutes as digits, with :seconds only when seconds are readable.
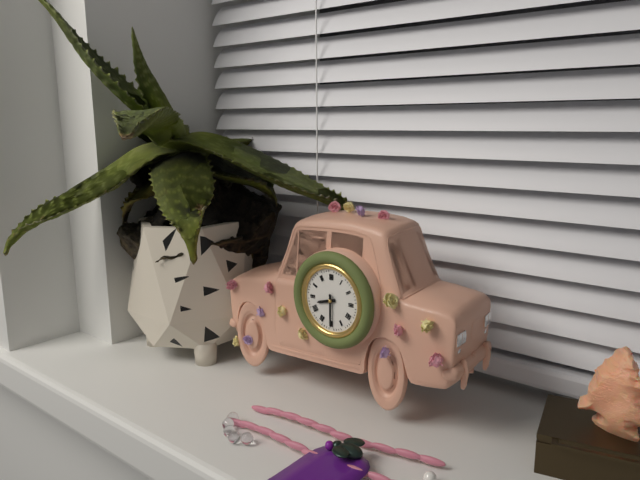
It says 8:30
